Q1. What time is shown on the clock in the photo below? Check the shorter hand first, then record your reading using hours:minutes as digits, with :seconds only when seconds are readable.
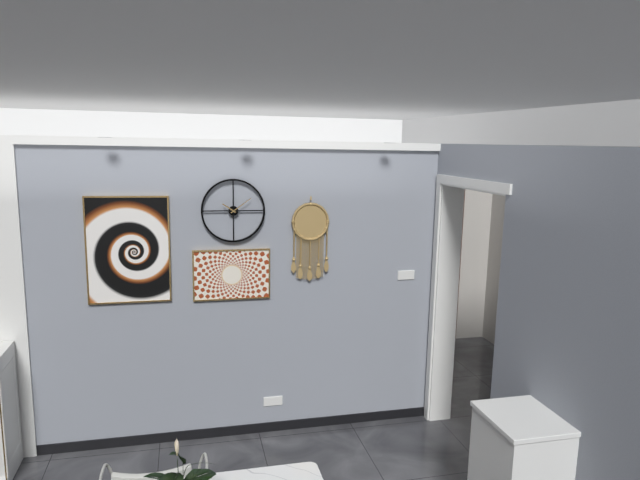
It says 10:09
